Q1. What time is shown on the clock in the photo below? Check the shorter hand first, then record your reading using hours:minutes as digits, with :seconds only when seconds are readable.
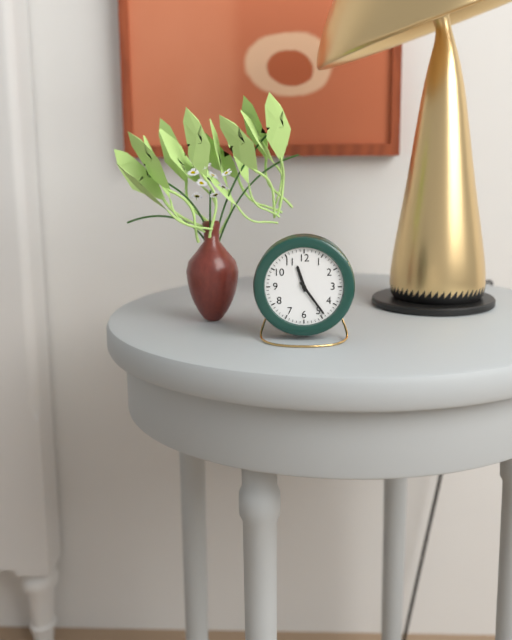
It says 11:24
